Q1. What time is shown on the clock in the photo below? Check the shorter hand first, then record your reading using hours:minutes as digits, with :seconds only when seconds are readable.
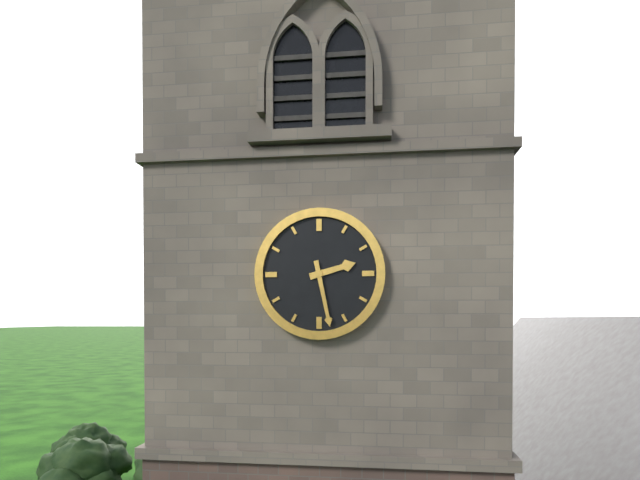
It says 2:28
